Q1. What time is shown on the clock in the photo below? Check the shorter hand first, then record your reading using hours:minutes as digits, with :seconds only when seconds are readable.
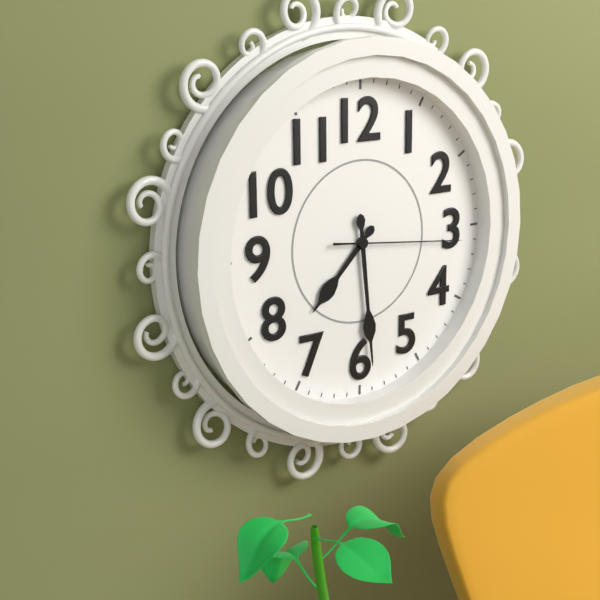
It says 7:29:16
